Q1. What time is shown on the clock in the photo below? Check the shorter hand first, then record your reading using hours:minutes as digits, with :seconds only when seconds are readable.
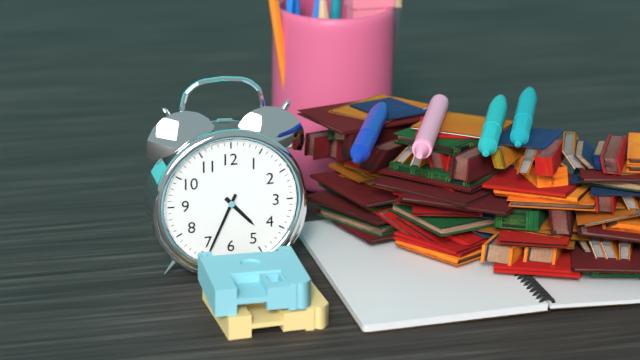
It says 4:34
